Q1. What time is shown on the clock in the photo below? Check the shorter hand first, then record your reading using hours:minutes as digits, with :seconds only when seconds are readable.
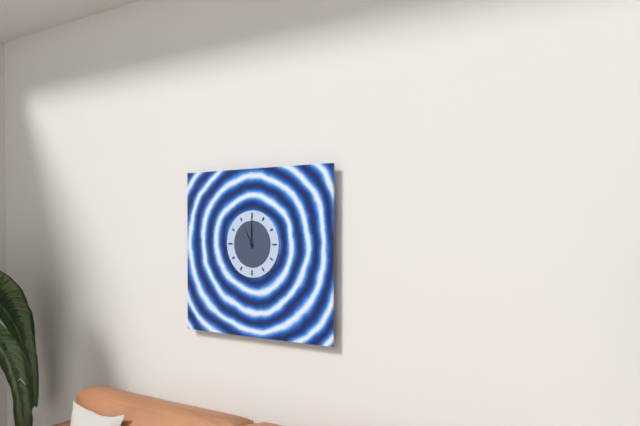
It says 11:00
